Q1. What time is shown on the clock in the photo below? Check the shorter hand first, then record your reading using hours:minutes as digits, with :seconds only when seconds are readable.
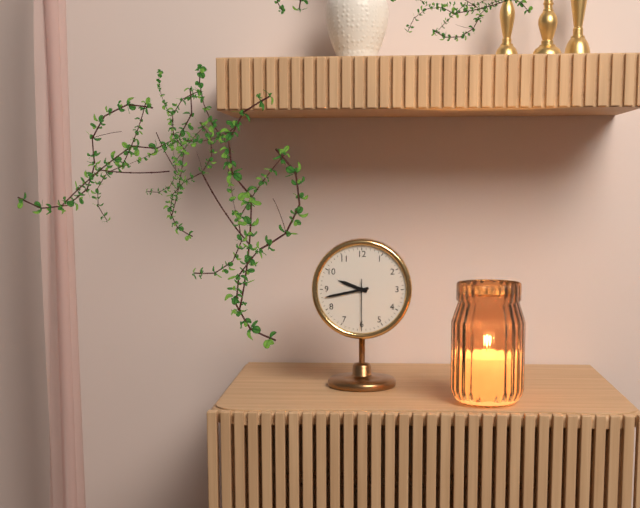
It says 9:43
